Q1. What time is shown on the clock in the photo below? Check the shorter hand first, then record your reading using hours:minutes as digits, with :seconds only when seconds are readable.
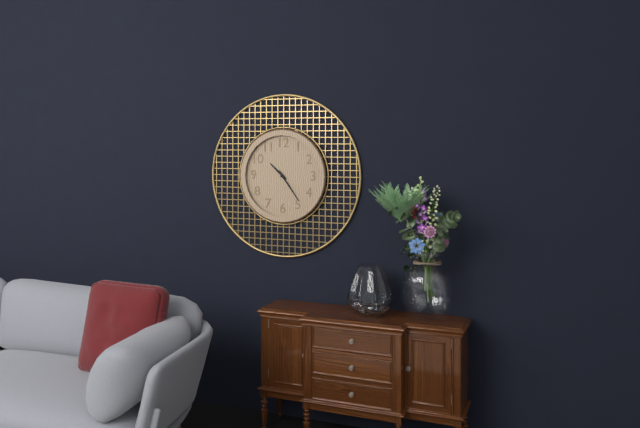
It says 10:24
